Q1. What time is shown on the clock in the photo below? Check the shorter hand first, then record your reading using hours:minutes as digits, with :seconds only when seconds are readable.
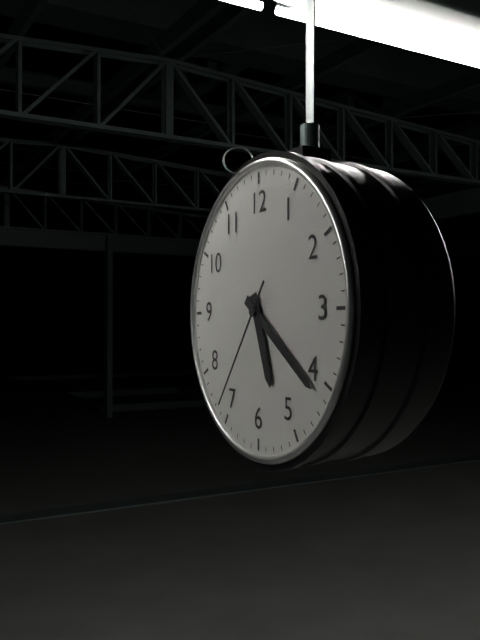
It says 5:21:36
